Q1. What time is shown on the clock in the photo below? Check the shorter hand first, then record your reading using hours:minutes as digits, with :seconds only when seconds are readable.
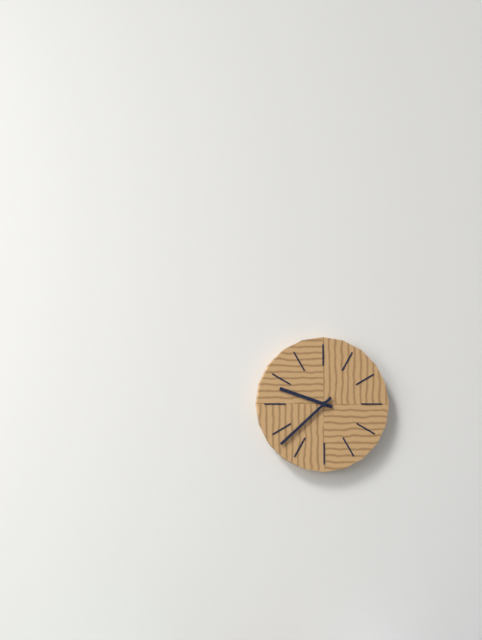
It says 9:38
